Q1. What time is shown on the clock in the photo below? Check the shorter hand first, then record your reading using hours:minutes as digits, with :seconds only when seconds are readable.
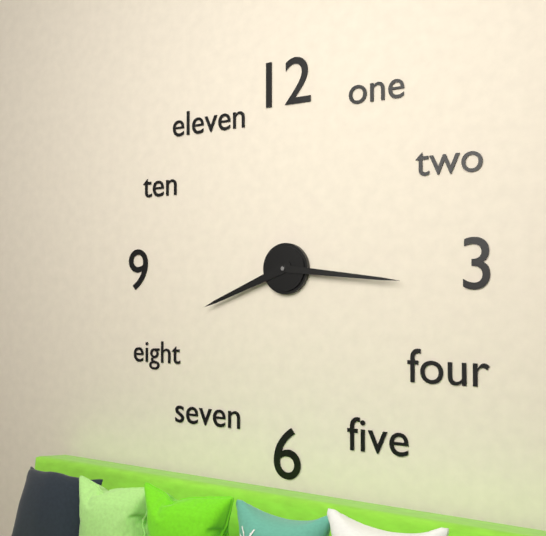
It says 8:16
